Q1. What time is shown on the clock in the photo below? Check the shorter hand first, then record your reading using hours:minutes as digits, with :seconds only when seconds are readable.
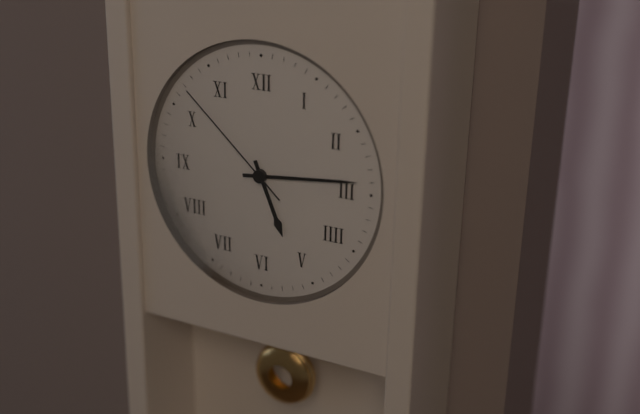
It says 5:14:52
